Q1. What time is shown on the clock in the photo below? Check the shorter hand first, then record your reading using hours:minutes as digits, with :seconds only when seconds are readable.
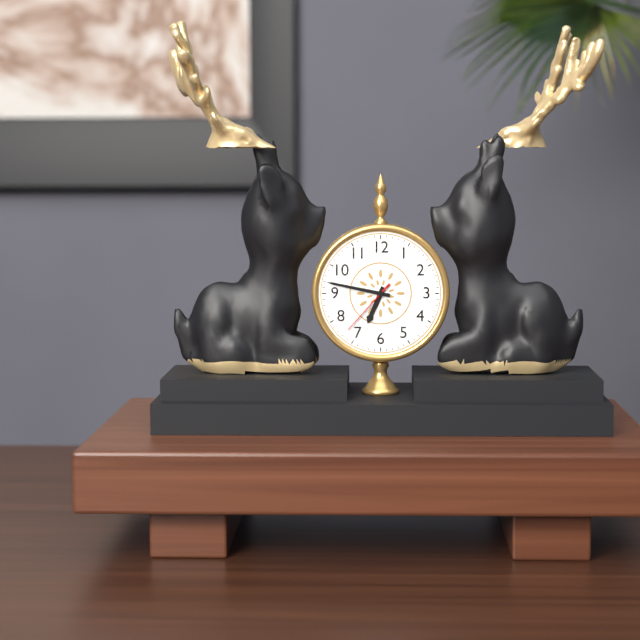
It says 6:47:37
